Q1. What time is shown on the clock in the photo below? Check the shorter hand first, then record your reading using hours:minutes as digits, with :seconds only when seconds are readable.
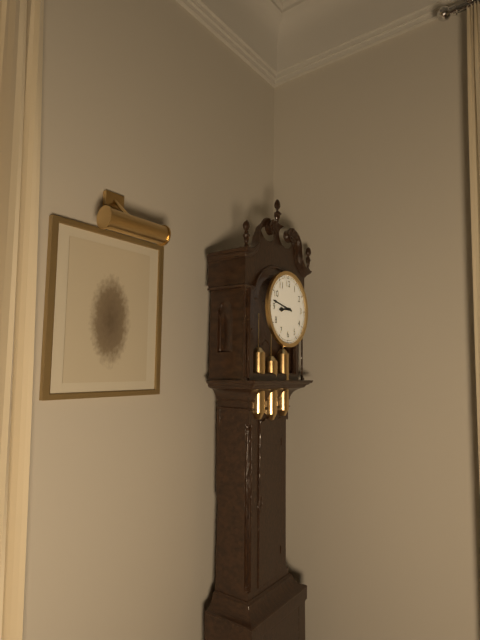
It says 8:47
